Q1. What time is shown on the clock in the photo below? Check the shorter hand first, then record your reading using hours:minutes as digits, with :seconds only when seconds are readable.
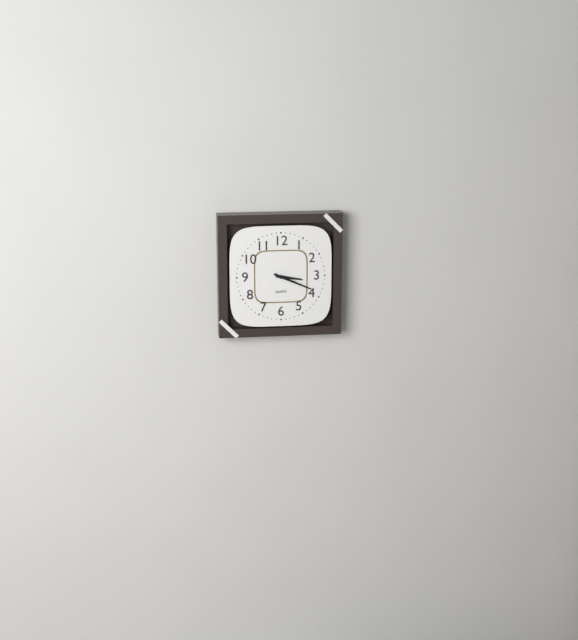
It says 3:19
